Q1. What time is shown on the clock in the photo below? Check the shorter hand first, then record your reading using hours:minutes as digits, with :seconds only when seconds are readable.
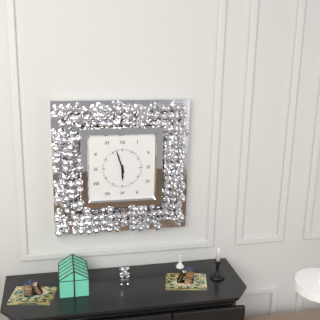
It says 5:57
